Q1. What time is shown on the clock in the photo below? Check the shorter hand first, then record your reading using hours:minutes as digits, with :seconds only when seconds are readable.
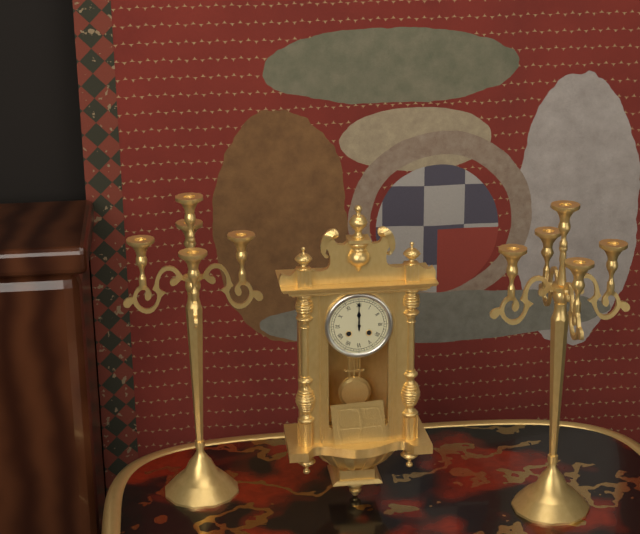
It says 12:00
